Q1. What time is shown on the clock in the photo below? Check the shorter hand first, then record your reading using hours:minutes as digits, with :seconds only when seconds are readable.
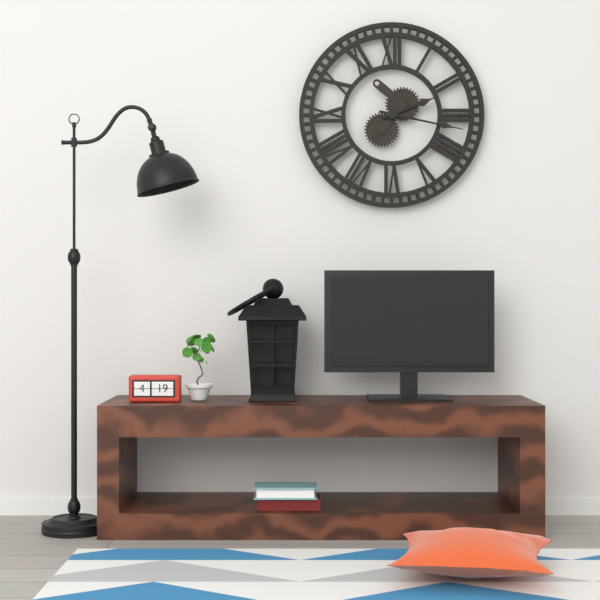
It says 2:17
